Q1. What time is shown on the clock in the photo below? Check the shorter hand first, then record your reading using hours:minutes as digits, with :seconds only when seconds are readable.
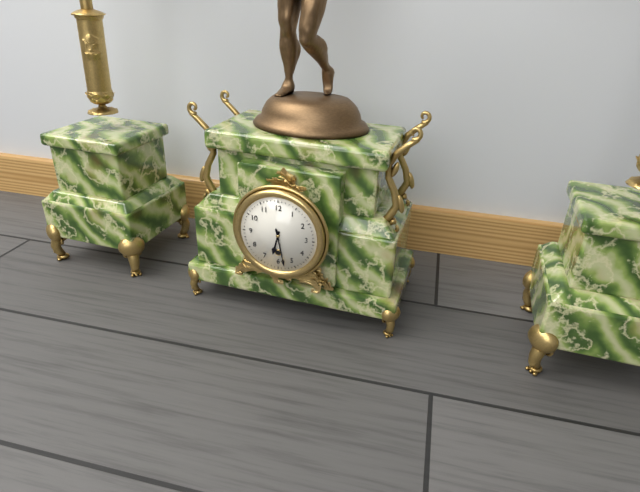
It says 6:28
